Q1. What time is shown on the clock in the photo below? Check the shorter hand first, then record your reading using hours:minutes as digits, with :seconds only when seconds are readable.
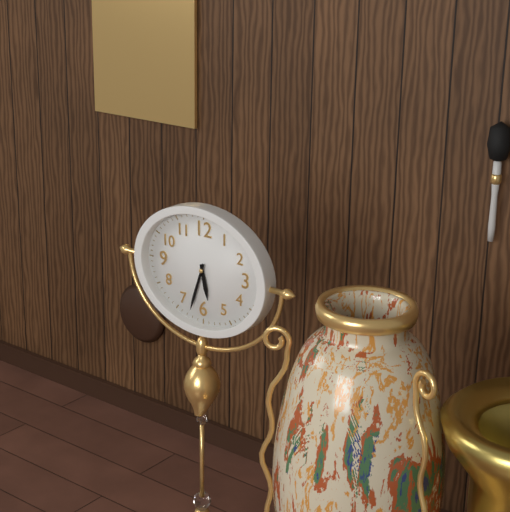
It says 5:33
